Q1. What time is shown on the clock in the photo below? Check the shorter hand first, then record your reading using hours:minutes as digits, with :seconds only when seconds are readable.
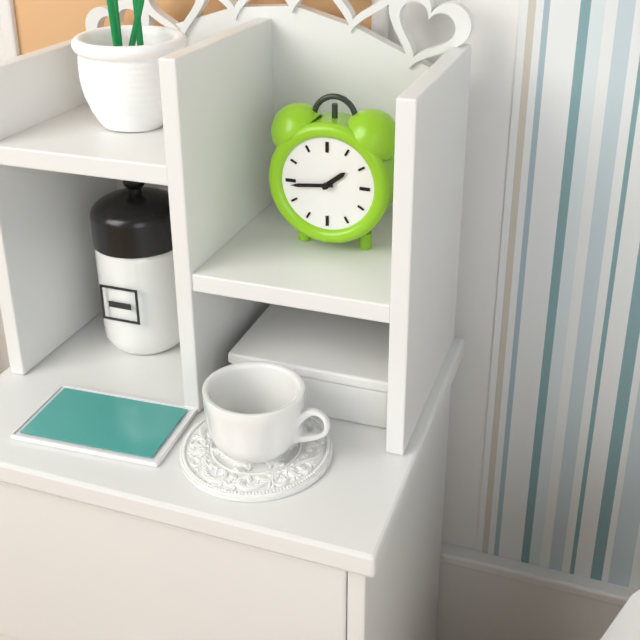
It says 1:44
